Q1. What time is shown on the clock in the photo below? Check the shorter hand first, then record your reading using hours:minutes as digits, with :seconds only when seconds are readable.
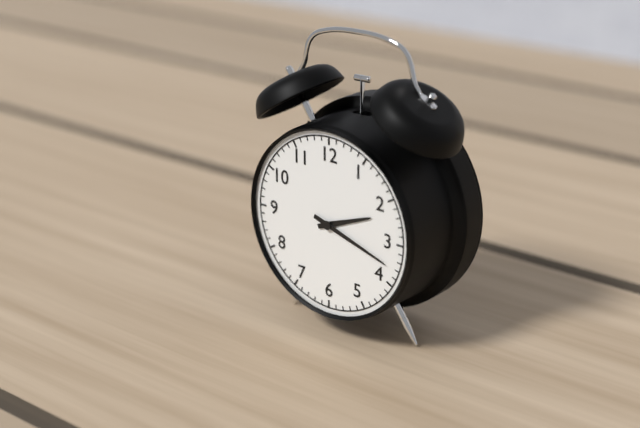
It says 2:18
